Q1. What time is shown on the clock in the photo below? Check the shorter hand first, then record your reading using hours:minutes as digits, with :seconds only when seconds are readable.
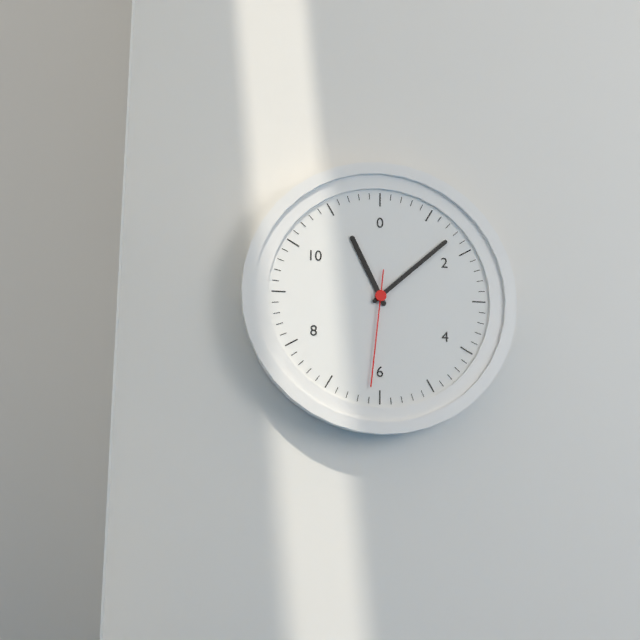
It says 11:08:31
